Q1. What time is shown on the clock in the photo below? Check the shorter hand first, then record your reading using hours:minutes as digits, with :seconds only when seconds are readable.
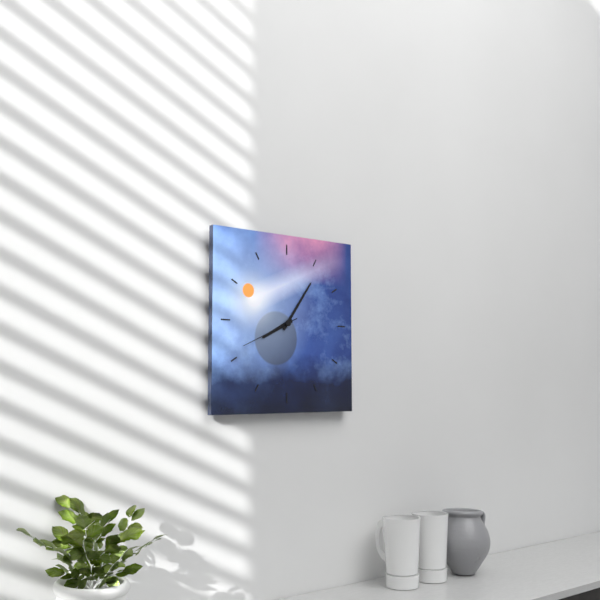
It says 8:06:41
